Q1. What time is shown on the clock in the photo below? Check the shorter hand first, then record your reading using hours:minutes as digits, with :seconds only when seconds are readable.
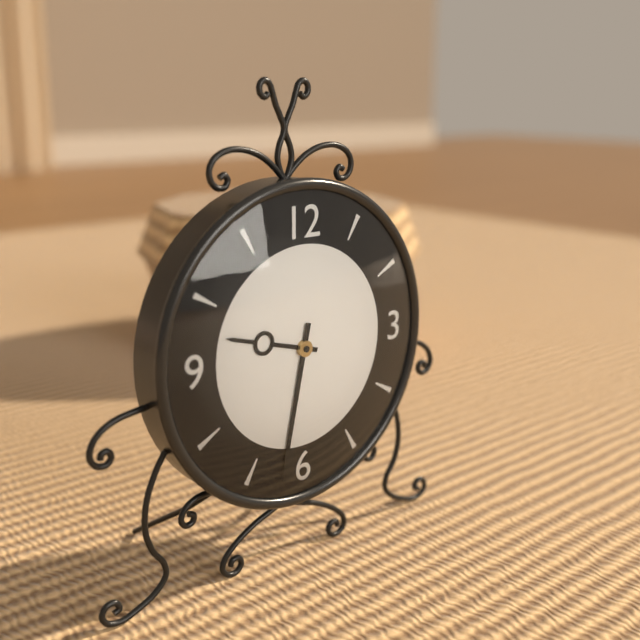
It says 9:32
